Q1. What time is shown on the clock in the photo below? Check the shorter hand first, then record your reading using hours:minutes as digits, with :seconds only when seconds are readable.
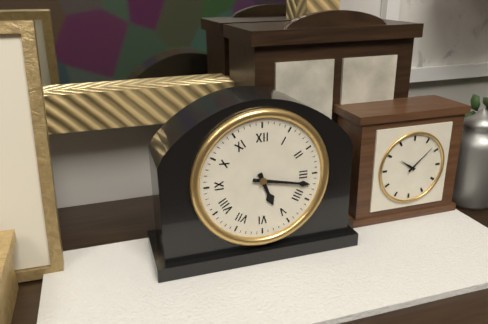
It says 5:17
